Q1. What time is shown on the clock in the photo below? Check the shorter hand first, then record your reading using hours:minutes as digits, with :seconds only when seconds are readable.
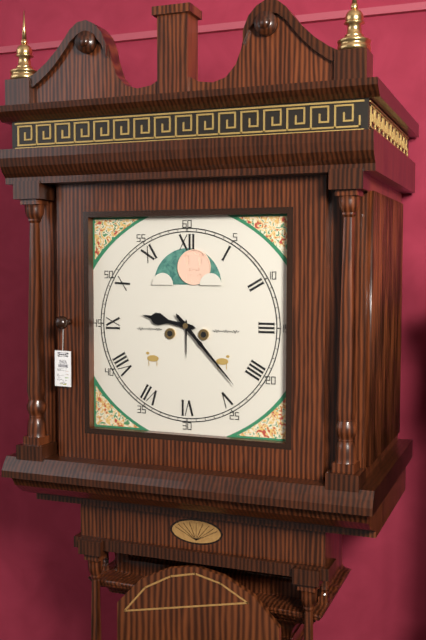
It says 9:23
